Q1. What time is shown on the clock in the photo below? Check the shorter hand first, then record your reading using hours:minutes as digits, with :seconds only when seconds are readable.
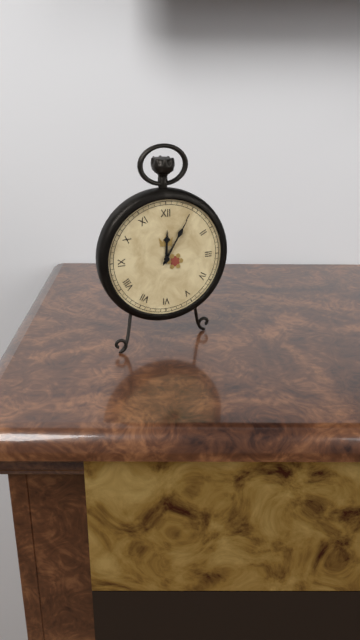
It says 12:05
